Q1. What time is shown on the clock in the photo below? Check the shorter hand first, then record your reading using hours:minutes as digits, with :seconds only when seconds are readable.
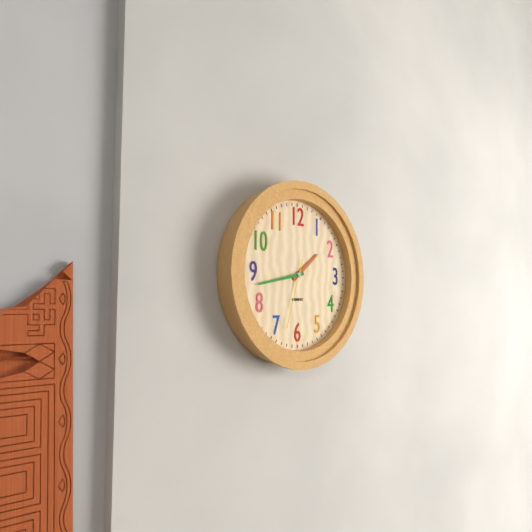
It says 1:43:33
